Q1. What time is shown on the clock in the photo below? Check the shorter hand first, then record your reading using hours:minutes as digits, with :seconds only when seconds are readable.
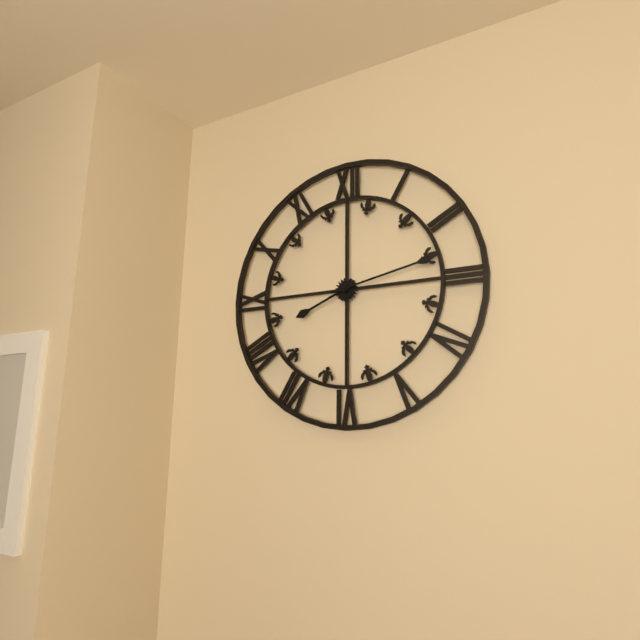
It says 8:13
